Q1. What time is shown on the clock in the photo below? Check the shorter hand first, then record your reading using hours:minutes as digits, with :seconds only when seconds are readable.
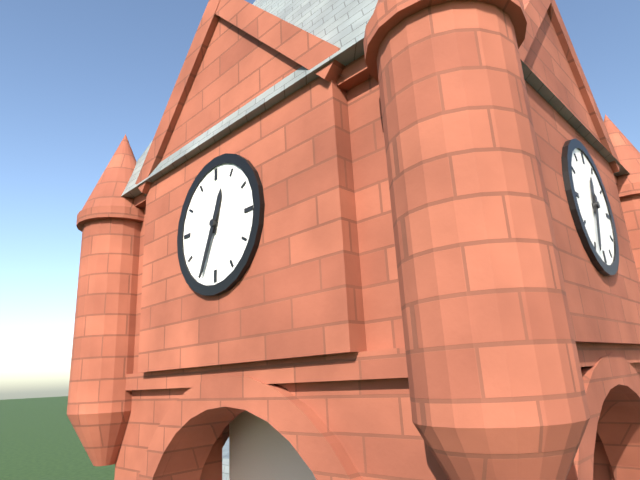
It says 12:34
